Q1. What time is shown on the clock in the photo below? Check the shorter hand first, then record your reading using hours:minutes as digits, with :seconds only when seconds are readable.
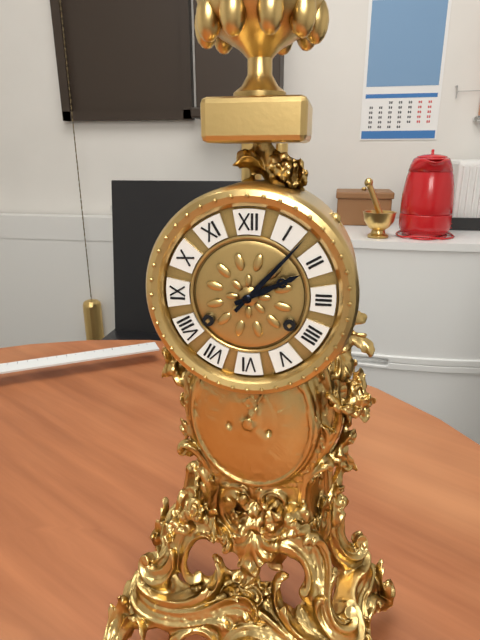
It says 2:07
